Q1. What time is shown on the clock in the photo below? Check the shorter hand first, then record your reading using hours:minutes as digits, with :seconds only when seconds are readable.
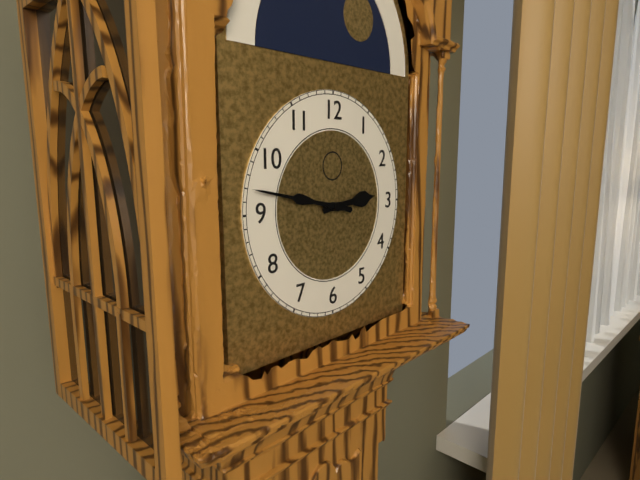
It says 2:47
